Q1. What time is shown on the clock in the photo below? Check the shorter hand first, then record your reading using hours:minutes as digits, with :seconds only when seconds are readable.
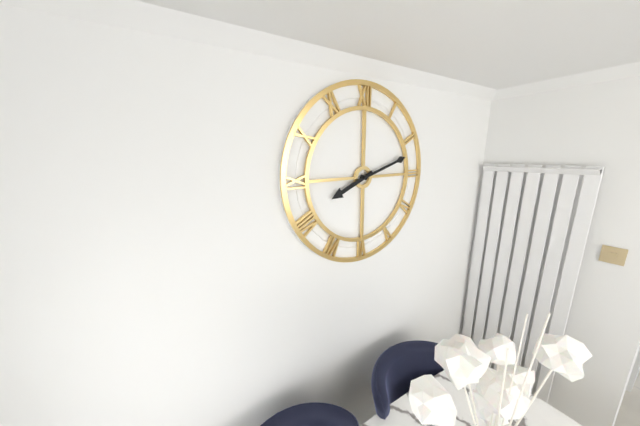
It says 8:12
